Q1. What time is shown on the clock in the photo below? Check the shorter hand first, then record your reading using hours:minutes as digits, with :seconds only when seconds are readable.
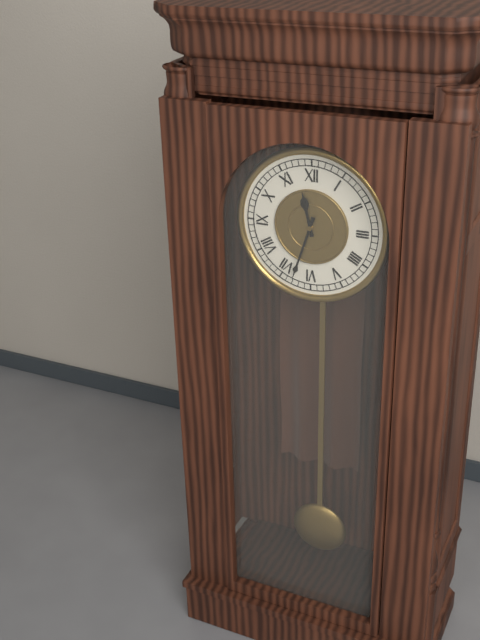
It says 11:33
